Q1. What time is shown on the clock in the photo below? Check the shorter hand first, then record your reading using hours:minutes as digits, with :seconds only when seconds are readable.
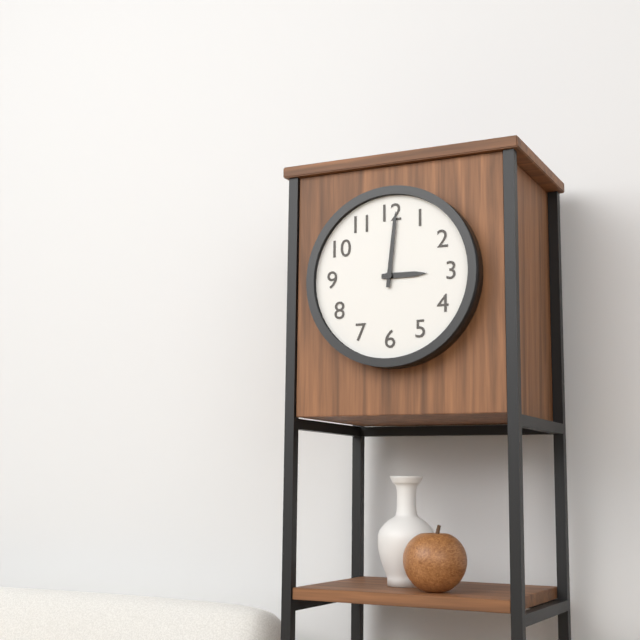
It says 3:01
